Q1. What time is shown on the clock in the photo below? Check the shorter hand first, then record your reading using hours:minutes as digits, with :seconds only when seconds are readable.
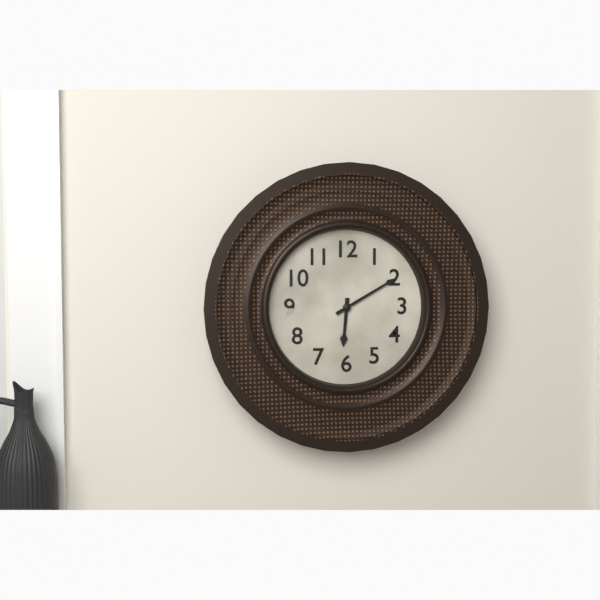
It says 6:10
